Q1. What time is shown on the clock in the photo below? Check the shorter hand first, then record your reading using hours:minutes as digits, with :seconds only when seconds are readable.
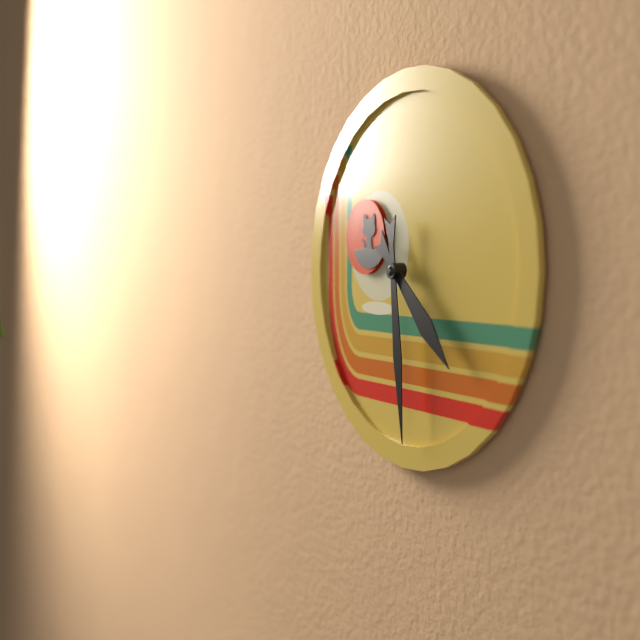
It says 4:29
